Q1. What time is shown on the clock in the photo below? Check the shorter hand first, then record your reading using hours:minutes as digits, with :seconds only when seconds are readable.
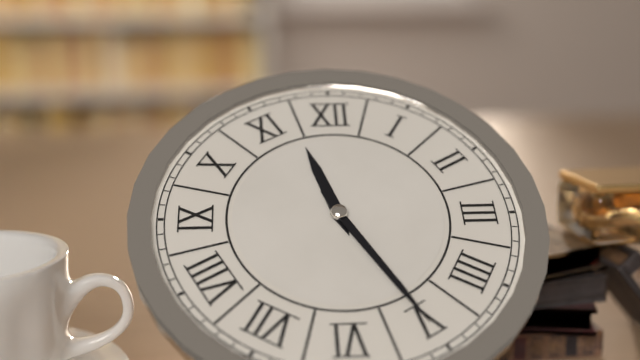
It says 11:25
